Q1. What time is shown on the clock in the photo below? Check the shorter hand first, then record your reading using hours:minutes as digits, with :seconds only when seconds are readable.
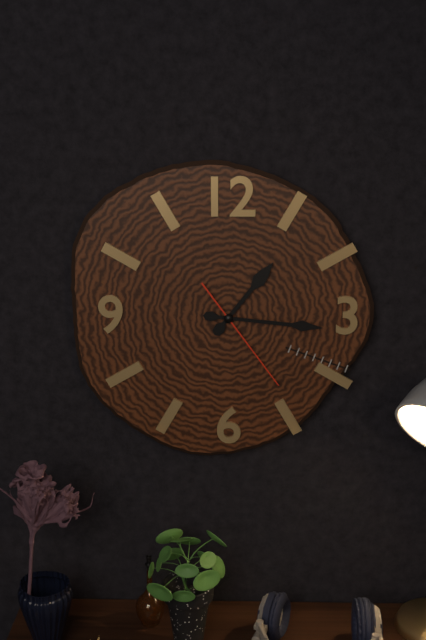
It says 1:16:24
